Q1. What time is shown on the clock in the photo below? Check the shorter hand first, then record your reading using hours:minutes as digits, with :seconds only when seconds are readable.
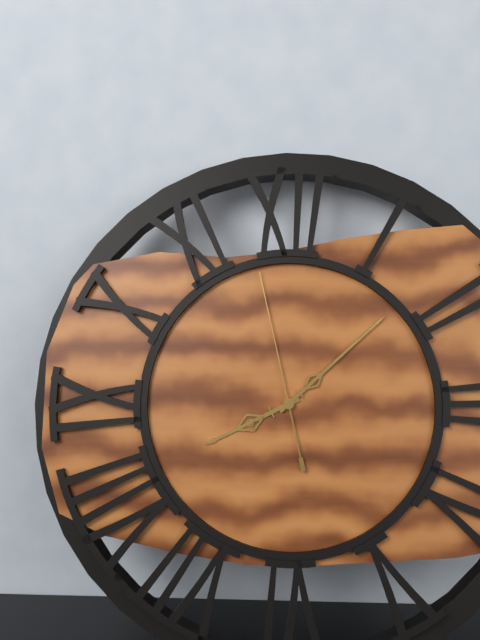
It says 8:08:58
